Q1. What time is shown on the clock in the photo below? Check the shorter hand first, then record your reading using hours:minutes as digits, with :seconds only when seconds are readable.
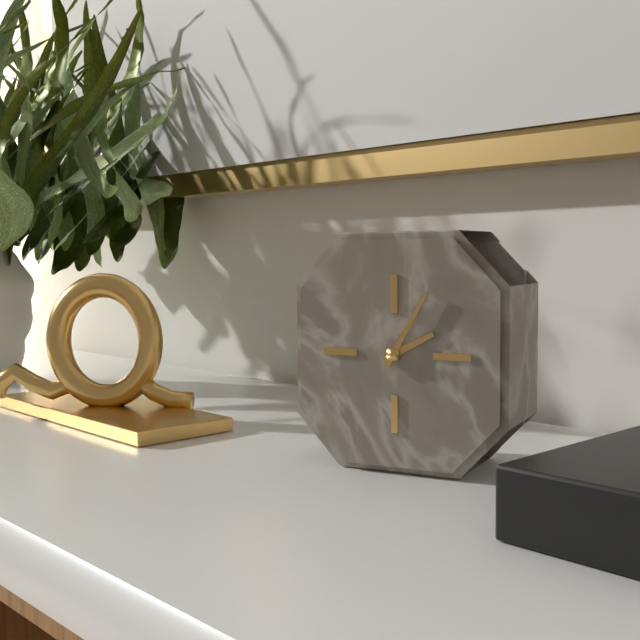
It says 2:05
